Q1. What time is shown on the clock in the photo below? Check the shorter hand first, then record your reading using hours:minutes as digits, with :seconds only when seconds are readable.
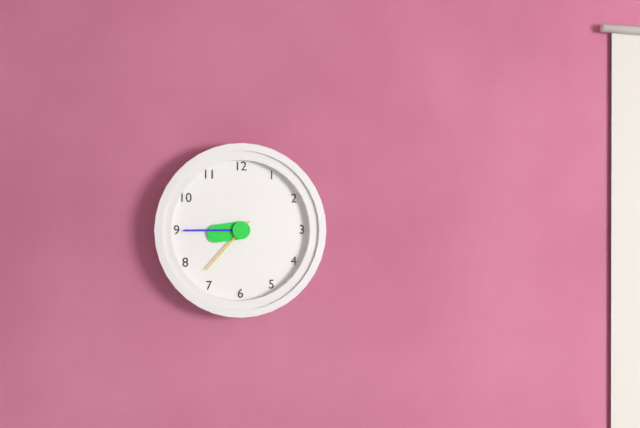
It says 8:45:37
